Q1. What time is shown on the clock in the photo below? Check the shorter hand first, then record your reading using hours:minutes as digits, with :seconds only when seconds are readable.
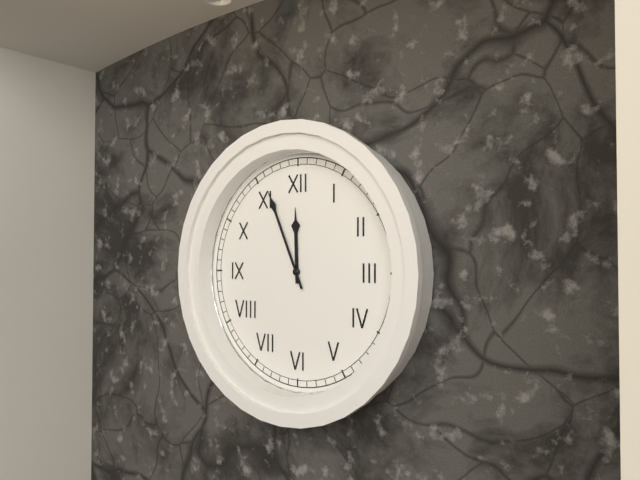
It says 11:56
